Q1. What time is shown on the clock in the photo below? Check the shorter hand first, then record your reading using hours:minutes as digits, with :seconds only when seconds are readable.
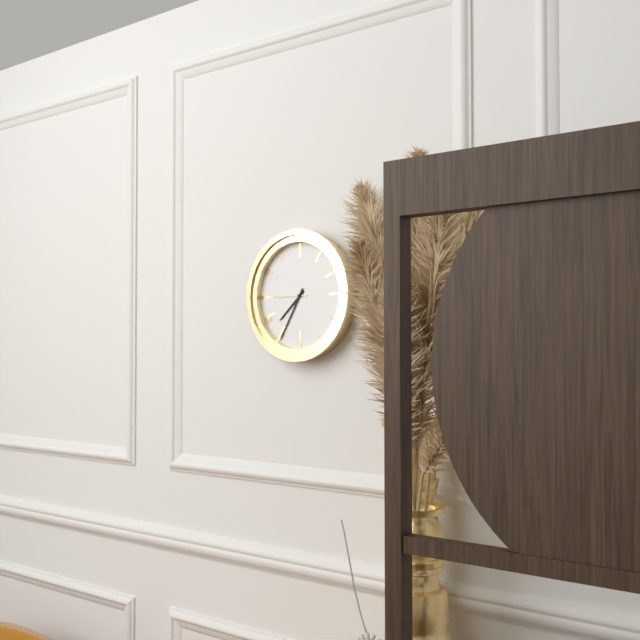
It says 7:35
